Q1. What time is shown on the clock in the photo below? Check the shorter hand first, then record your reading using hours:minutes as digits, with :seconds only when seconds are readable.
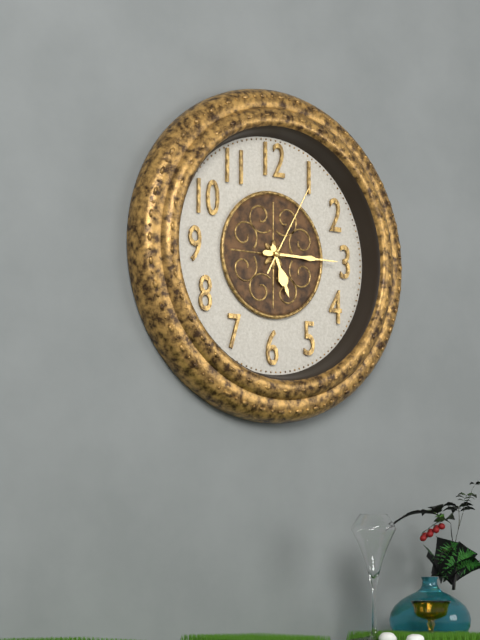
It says 5:15:05
